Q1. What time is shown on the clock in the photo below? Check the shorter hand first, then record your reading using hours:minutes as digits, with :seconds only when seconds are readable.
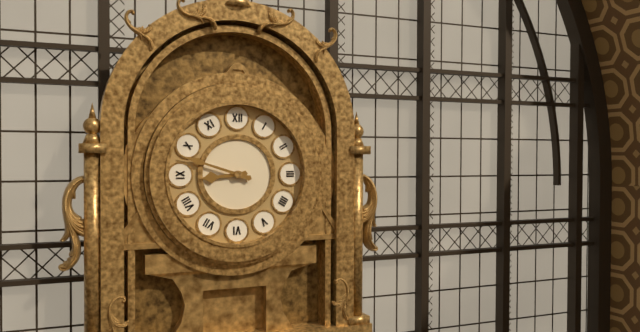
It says 8:48
